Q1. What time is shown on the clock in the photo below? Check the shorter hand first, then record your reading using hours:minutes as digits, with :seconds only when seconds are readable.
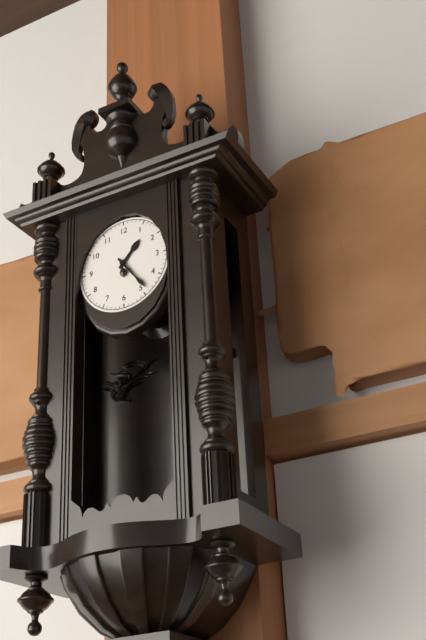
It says 1:24
